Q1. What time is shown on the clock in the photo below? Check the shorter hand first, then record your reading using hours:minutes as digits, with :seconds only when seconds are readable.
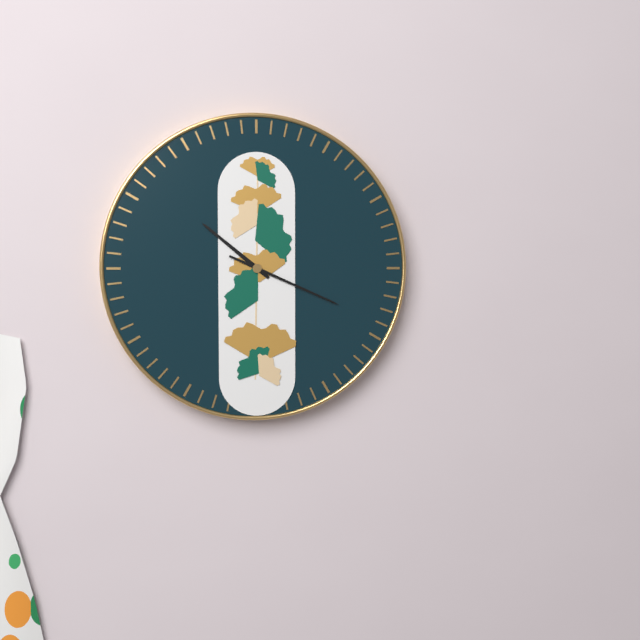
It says 10:19
